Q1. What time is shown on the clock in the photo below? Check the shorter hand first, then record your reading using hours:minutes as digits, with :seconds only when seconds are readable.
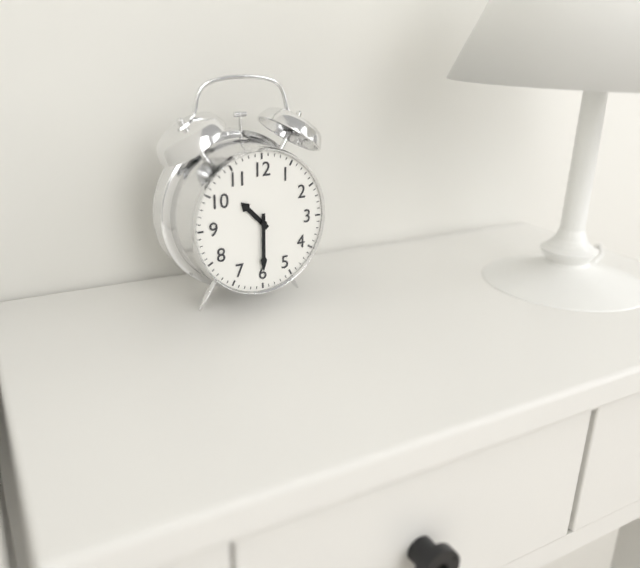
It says 10:30
